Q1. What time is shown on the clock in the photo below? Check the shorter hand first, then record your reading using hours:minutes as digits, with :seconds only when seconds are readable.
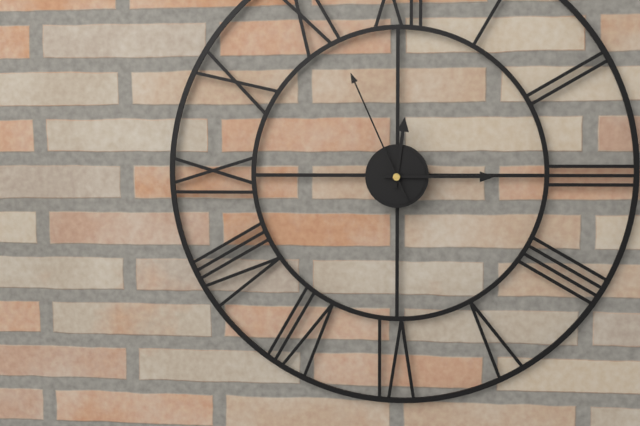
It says 12:15:56
